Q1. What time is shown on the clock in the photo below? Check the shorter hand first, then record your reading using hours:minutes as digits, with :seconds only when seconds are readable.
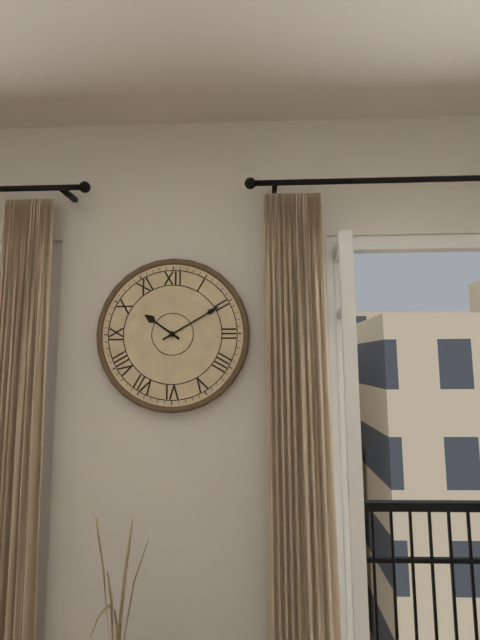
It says 10:10
